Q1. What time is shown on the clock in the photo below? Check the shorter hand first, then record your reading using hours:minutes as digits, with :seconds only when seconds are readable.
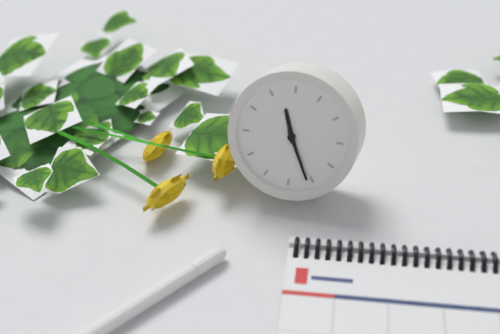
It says 11:26
